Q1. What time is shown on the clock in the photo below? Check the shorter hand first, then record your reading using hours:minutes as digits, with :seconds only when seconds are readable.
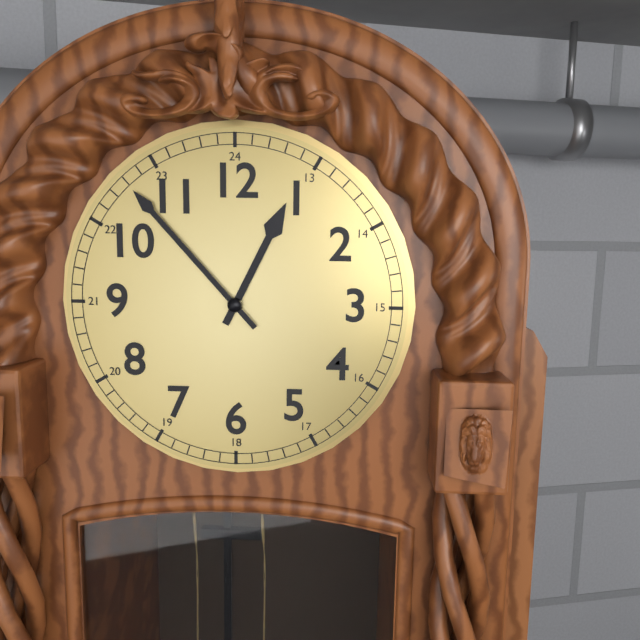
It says 12:53
